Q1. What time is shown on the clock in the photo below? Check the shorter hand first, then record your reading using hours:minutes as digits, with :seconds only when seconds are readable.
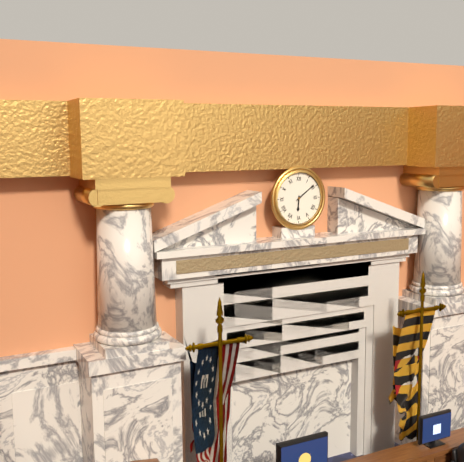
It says 6:09
